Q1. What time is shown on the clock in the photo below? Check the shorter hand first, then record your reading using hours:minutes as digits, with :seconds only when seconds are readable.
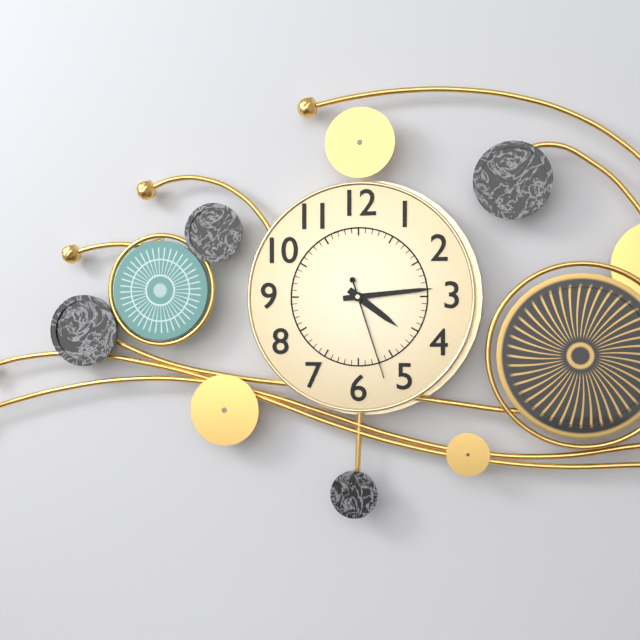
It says 4:14:27
